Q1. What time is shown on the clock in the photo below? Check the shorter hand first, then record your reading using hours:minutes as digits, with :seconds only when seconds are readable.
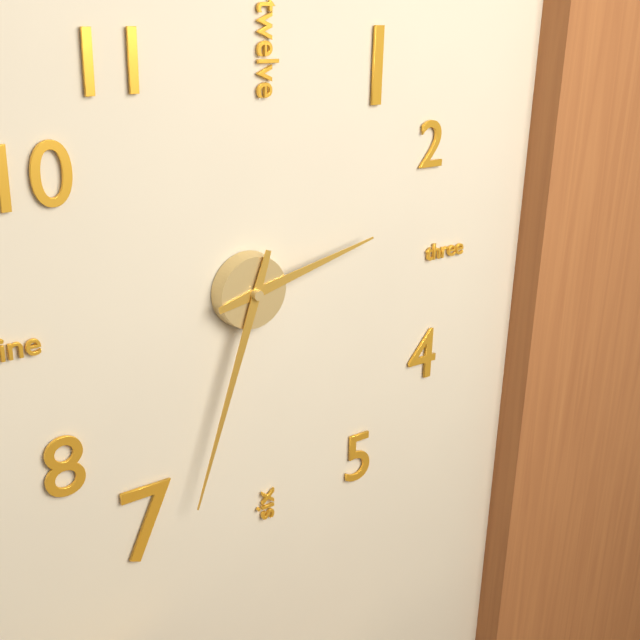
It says 2:33
